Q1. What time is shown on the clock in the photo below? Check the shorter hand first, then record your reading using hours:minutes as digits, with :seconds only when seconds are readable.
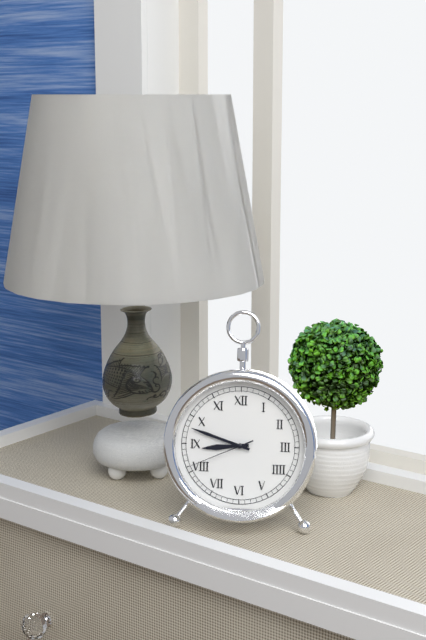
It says 8:48:41
